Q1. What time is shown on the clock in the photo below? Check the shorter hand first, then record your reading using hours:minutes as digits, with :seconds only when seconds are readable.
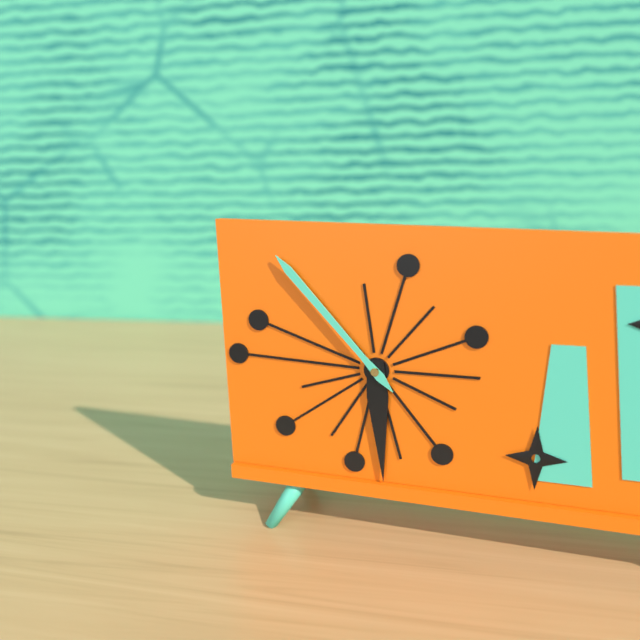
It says 5:53
